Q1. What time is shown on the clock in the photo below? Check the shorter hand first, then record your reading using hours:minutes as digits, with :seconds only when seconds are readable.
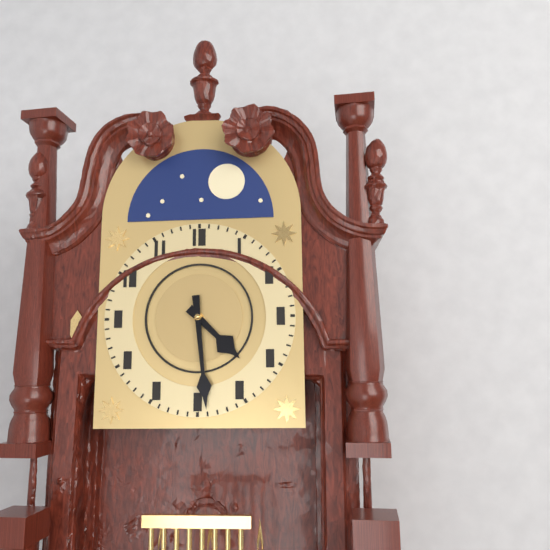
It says 4:29
